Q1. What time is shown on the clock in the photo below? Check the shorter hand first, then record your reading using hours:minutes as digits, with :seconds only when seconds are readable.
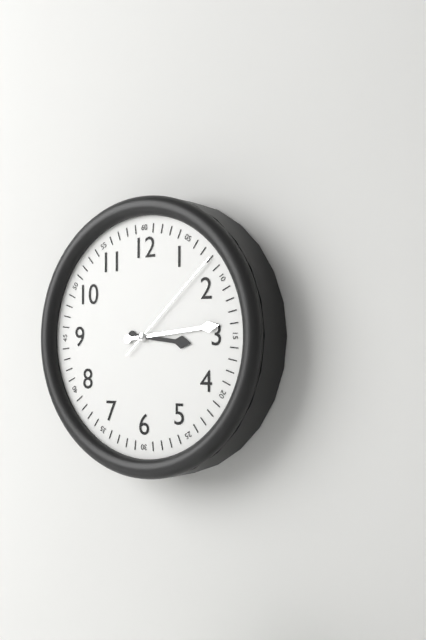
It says 3:14:08
